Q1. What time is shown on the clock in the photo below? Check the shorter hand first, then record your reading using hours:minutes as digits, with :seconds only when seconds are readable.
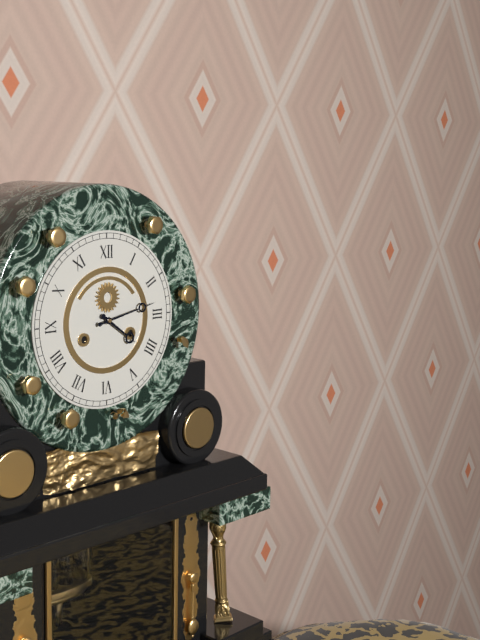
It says 4:13
